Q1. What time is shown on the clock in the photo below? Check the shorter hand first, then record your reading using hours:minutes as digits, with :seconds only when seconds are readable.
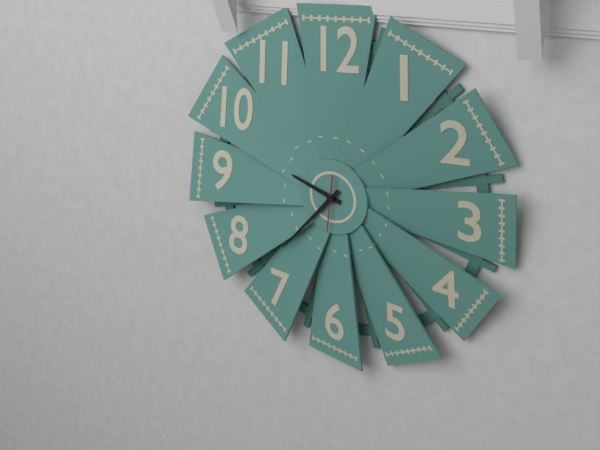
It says 9:37
